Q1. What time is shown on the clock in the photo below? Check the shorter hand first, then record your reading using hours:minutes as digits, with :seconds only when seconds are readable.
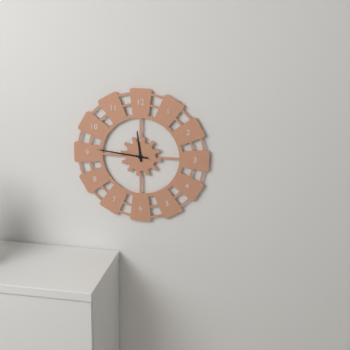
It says 11:46
